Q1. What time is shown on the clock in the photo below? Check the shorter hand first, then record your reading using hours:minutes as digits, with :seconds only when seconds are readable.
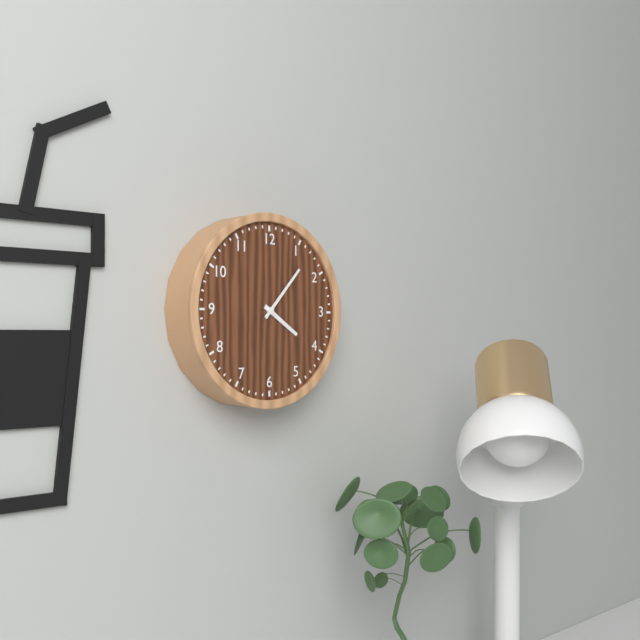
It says 4:07
